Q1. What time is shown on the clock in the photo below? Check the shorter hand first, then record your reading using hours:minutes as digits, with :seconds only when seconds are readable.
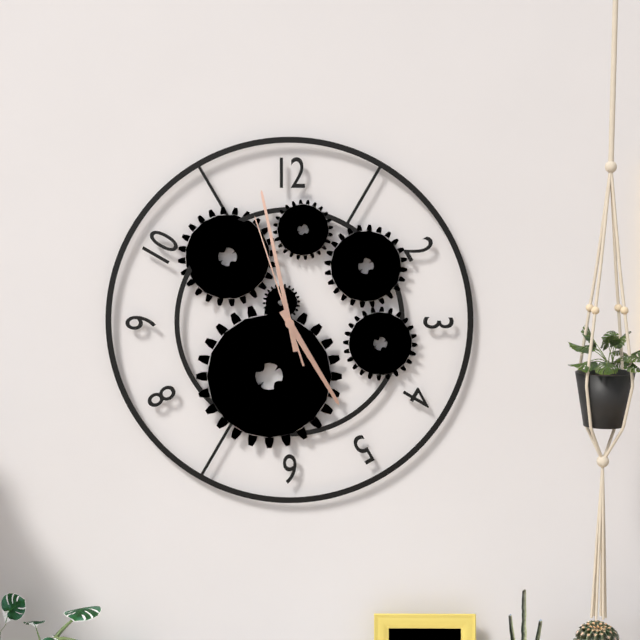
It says 4:58:57
